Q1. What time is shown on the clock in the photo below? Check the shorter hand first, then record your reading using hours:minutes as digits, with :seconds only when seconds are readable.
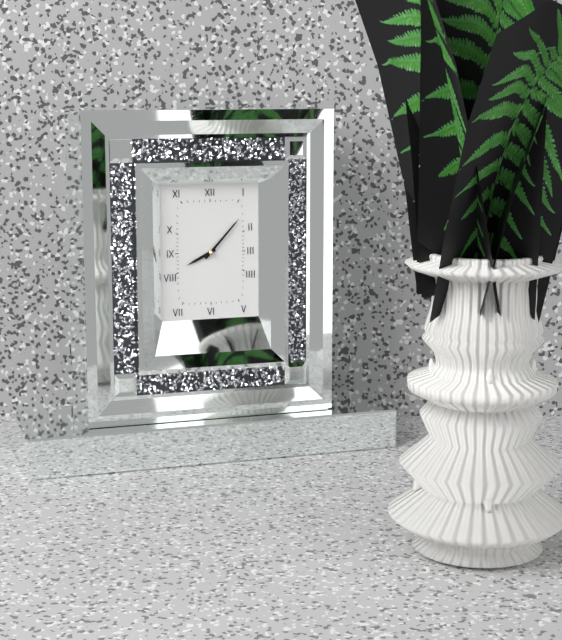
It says 8:07
